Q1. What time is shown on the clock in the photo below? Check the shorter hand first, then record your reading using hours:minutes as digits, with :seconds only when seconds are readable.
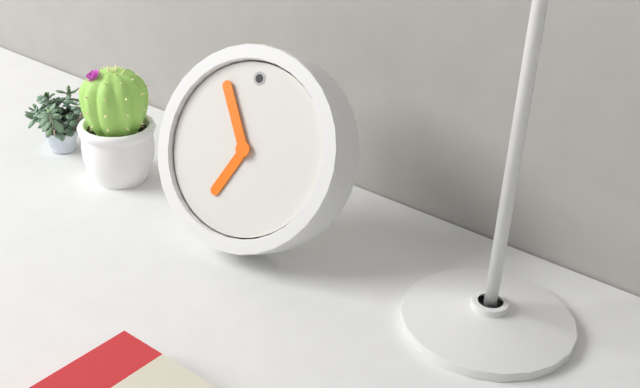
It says 6:55
